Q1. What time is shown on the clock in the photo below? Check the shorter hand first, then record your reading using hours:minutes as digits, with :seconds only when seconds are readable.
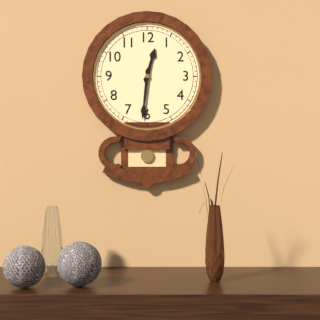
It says 12:31
